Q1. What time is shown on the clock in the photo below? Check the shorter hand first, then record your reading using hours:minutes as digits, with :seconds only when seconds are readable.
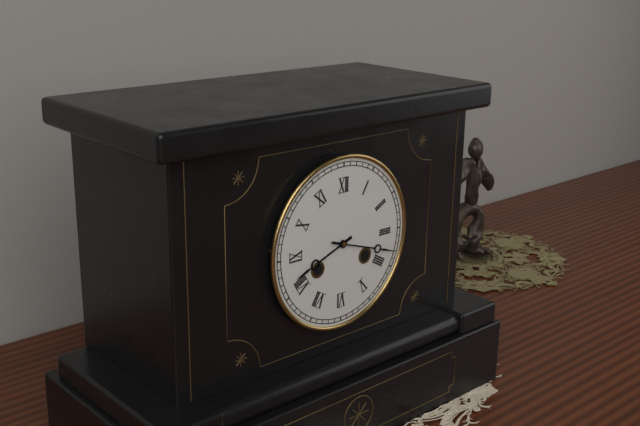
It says 8:18
